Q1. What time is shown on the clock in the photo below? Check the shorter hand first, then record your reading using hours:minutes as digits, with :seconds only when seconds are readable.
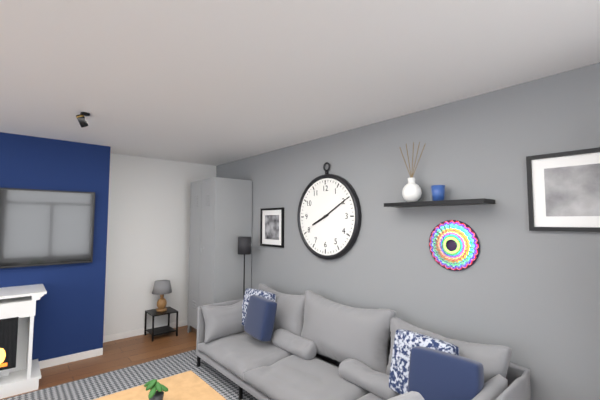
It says 8:10
